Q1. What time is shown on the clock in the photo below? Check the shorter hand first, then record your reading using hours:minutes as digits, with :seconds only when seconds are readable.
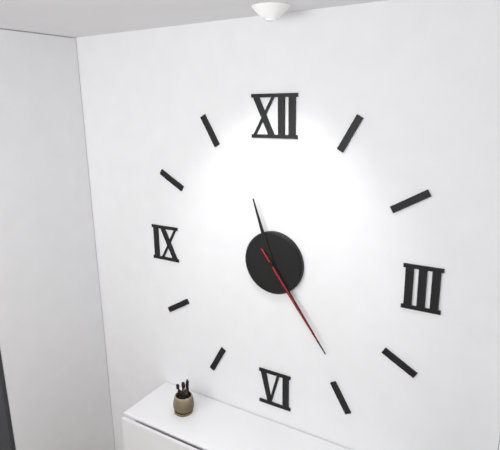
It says 11:24:24
